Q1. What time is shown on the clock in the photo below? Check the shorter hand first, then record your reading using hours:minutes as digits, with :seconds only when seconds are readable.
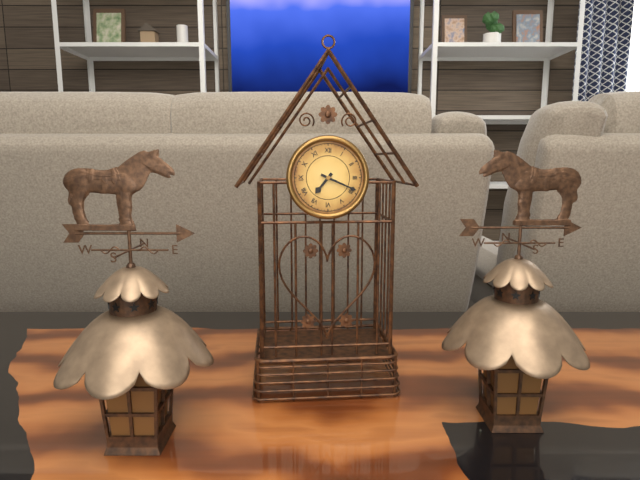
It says 7:19
